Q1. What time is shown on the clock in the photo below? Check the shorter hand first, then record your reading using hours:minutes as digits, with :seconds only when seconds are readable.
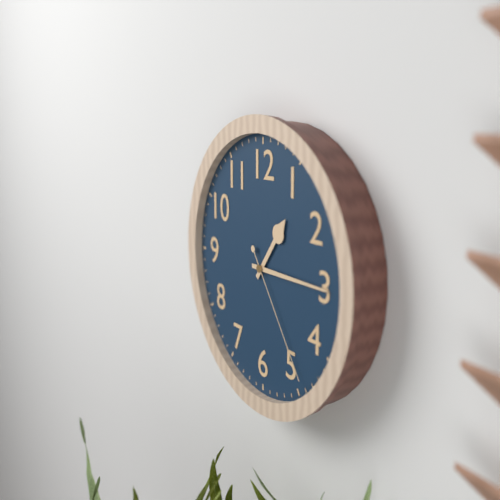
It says 1:15:24
